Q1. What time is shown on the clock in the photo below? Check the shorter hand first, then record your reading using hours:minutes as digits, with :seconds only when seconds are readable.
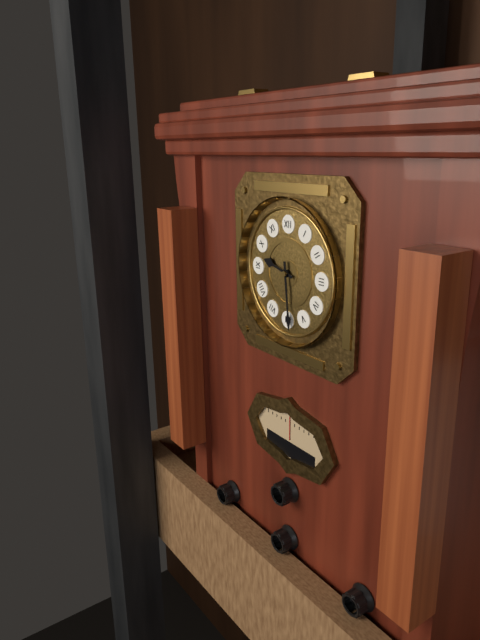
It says 9:29
